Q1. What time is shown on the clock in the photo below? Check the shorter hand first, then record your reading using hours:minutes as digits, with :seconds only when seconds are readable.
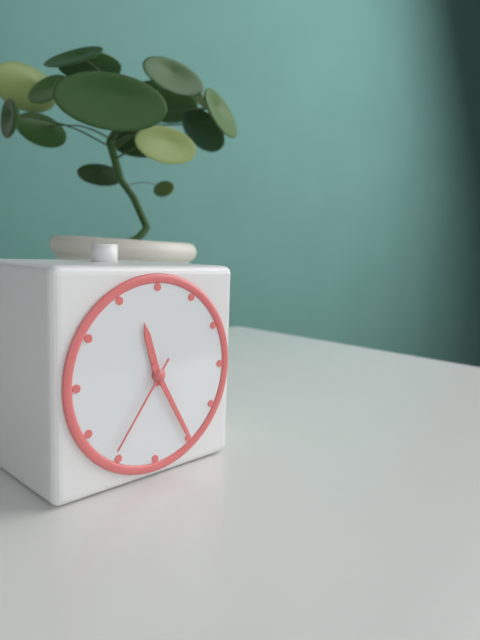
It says 11:25:36
